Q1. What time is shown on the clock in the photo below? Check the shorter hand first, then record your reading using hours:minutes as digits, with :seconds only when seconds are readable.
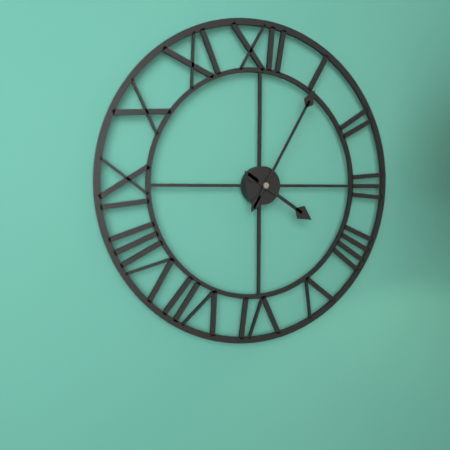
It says 4:05
